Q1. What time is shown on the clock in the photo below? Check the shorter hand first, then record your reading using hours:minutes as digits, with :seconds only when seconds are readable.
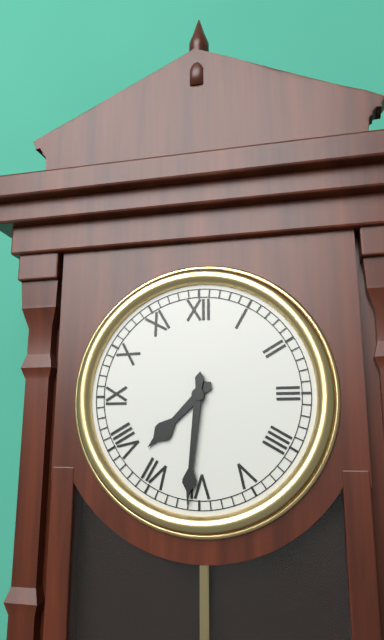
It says 7:31
